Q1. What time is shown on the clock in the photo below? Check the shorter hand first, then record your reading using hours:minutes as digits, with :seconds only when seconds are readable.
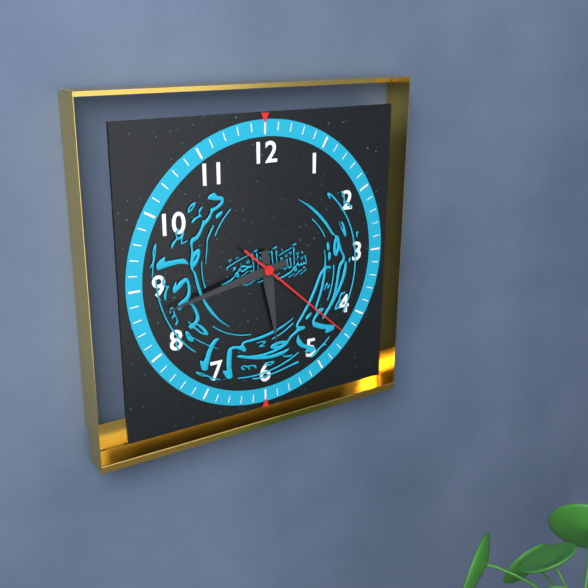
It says 5:43:22
